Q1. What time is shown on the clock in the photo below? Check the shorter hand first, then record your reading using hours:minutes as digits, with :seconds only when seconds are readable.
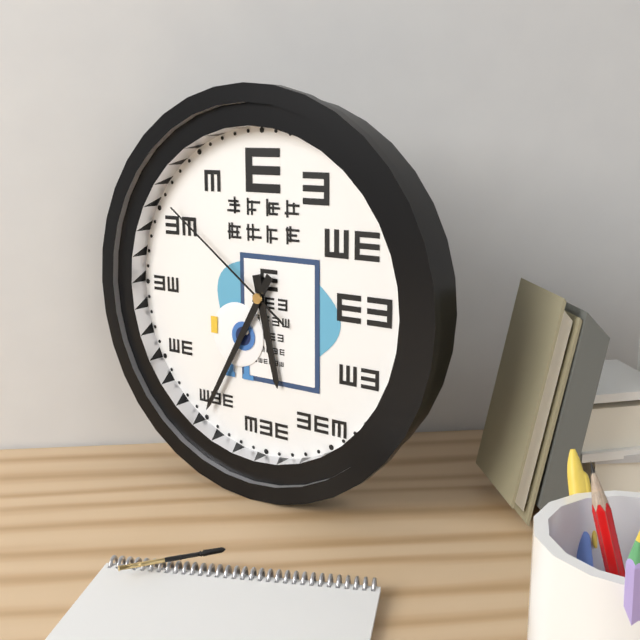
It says 5:35:51
